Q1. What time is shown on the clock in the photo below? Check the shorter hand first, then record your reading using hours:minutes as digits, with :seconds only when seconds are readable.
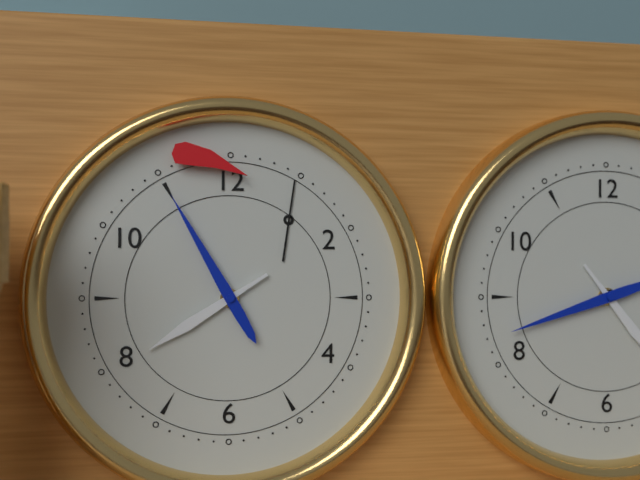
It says 7:55
